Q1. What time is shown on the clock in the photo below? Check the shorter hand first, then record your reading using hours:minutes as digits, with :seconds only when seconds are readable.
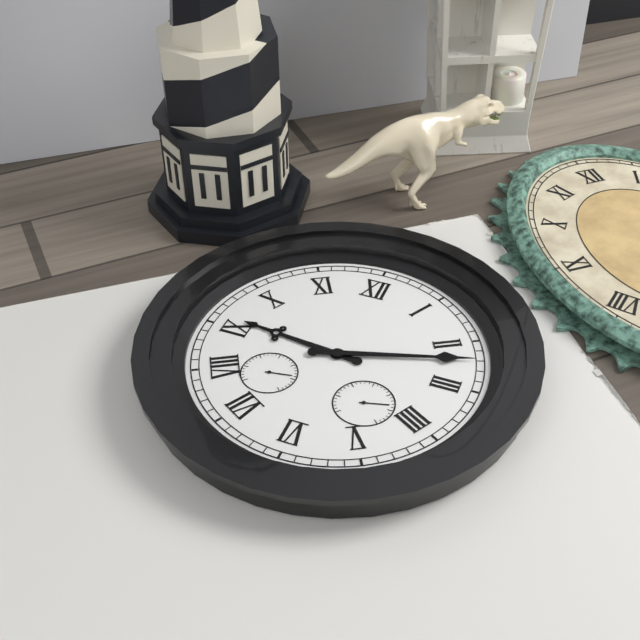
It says 9:12
